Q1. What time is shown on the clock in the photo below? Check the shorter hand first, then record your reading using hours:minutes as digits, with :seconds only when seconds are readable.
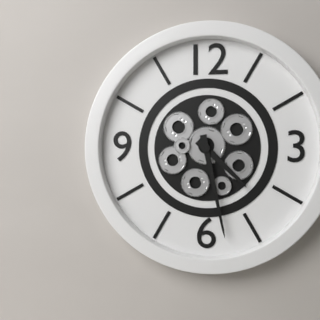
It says 4:28
